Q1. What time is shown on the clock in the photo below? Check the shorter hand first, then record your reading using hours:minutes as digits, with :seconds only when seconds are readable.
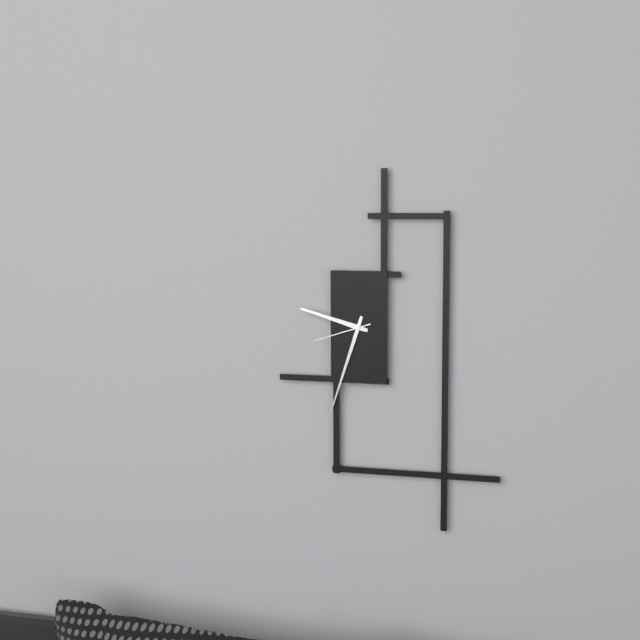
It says 9:33:42
